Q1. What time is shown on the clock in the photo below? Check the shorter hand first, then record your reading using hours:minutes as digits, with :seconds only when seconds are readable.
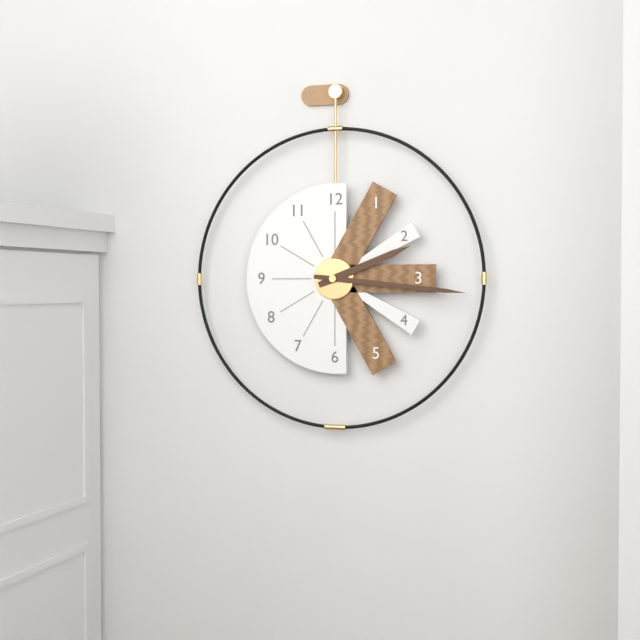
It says 2:16
